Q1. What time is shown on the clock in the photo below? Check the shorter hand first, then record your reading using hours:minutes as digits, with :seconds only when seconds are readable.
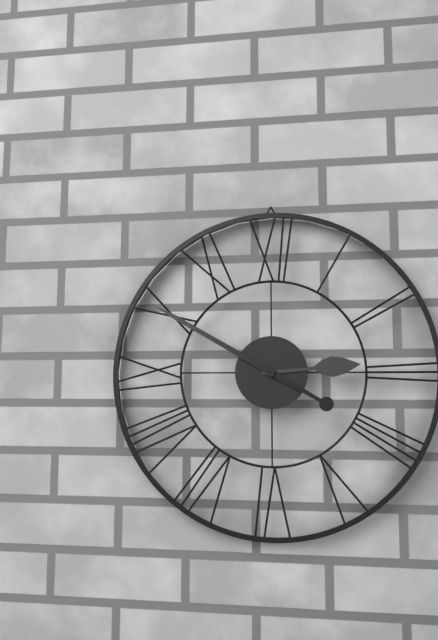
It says 2:50
